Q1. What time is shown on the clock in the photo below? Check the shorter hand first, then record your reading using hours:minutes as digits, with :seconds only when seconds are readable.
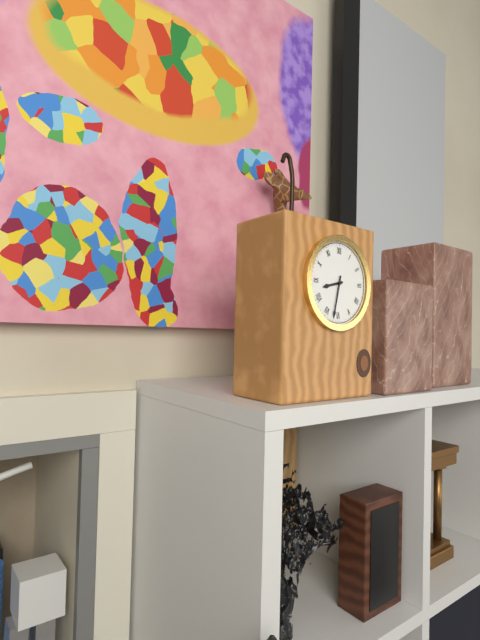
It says 8:32
